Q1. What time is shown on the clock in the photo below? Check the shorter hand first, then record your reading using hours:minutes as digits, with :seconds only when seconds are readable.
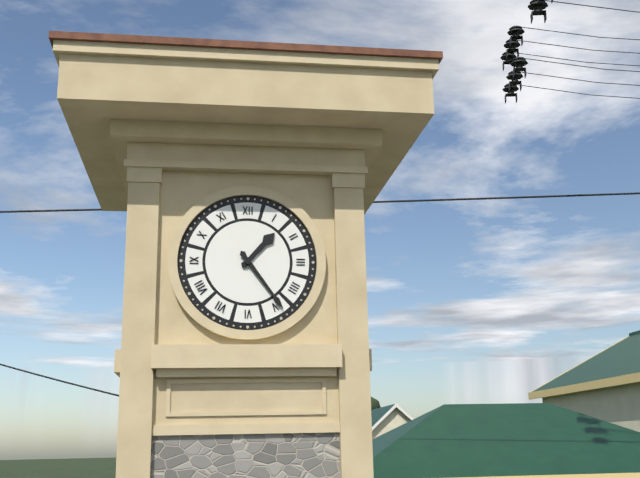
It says 1:24
